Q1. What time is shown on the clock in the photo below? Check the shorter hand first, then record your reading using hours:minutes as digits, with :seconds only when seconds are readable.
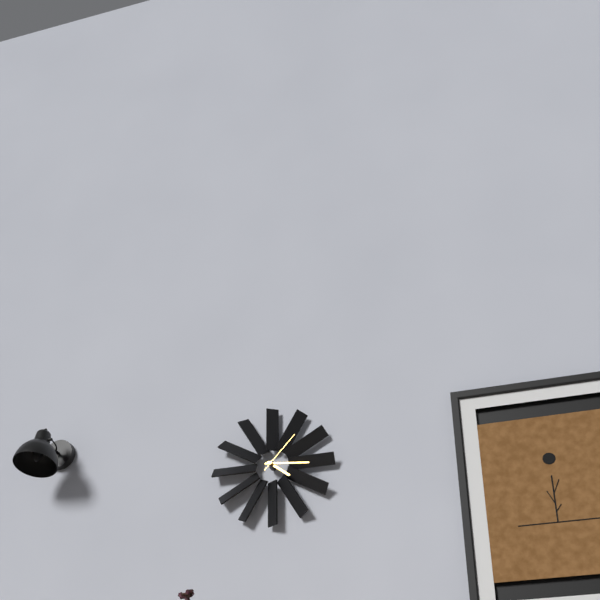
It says 4:16
